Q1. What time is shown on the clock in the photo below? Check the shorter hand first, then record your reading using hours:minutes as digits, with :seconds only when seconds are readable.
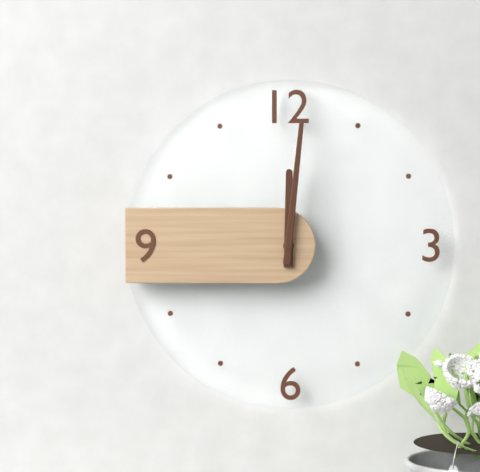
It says 12:01
